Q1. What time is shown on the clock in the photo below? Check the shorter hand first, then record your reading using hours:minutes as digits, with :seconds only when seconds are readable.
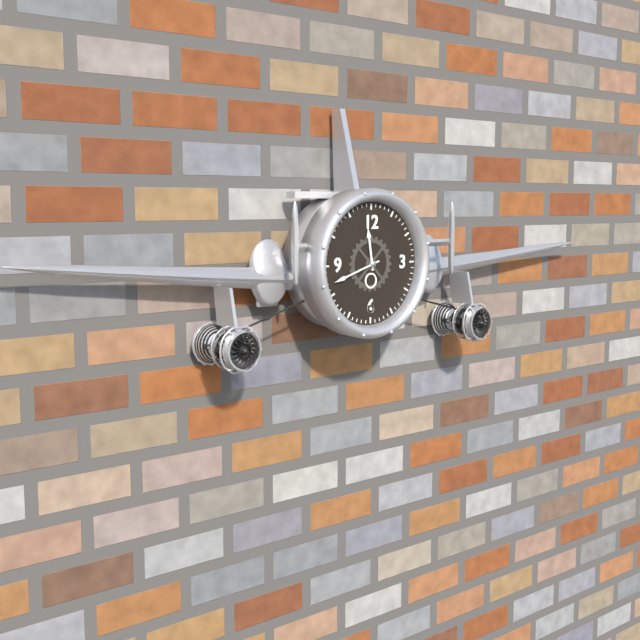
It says 11:42
